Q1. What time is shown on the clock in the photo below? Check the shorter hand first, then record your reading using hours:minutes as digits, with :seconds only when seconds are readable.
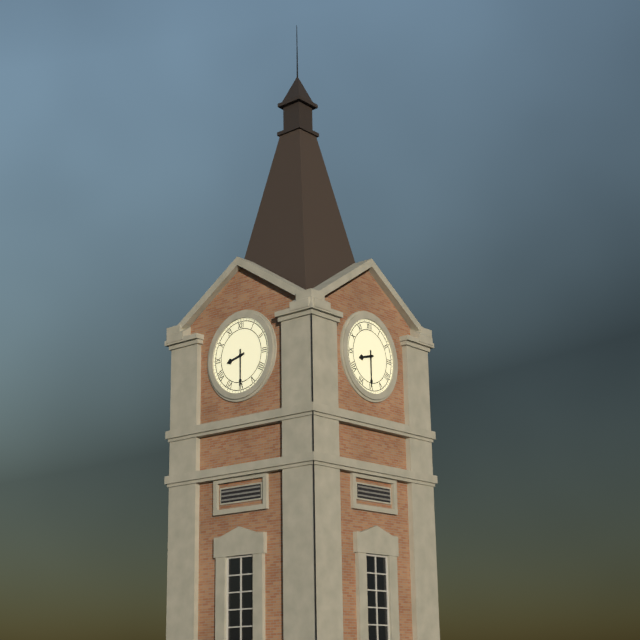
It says 8:30
